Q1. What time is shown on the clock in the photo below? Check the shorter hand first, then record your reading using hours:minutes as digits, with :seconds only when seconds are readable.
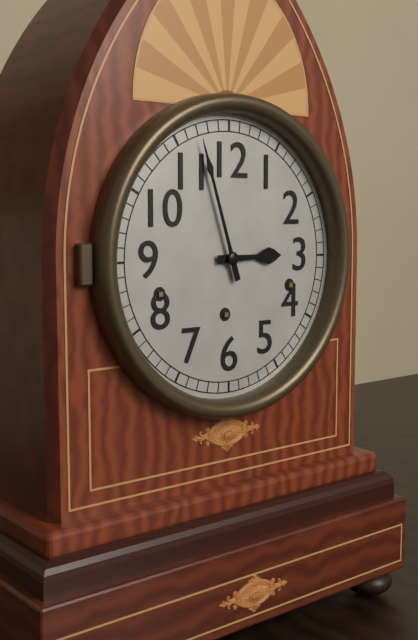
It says 2:57
